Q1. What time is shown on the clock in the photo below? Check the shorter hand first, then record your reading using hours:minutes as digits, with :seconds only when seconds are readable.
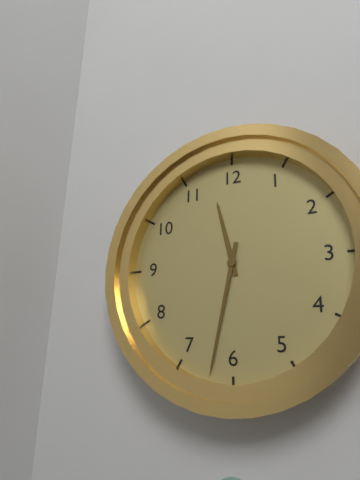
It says 11:32
